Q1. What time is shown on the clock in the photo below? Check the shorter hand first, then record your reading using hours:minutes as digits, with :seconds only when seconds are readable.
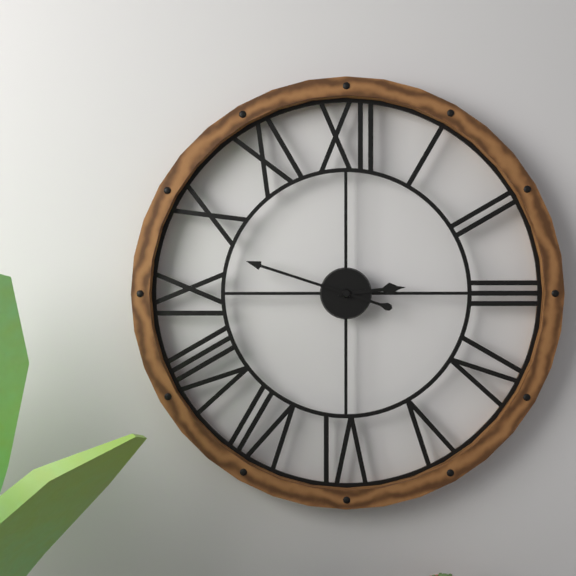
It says 2:48
